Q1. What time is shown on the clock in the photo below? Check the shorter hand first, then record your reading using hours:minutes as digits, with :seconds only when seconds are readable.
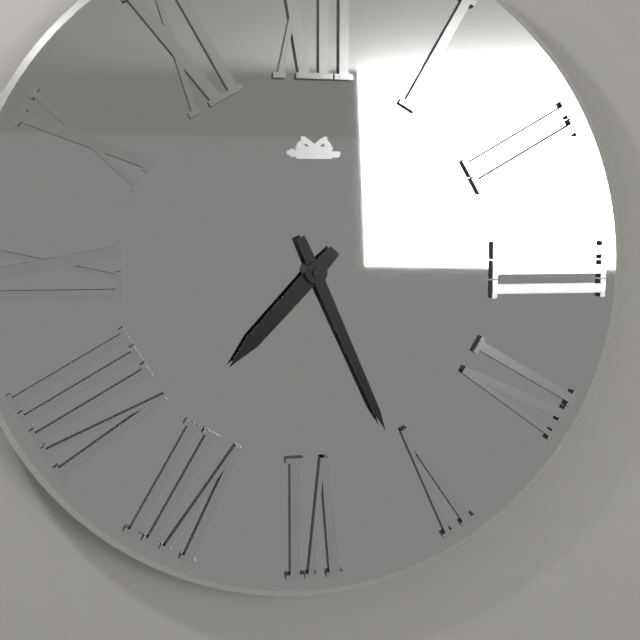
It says 7:26
